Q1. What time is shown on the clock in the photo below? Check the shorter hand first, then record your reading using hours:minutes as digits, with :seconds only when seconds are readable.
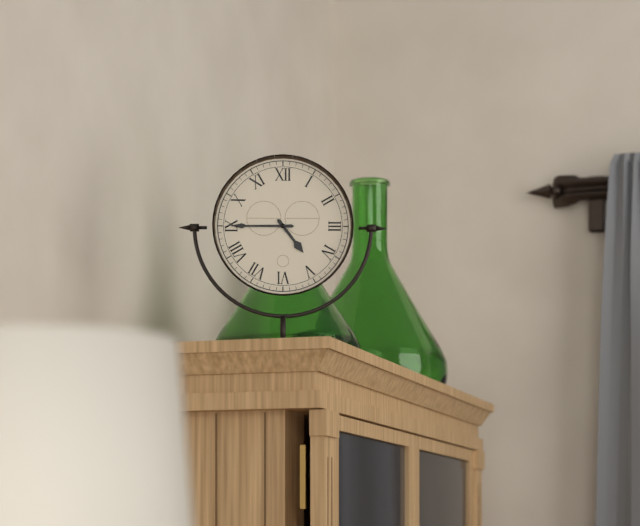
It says 4:45
